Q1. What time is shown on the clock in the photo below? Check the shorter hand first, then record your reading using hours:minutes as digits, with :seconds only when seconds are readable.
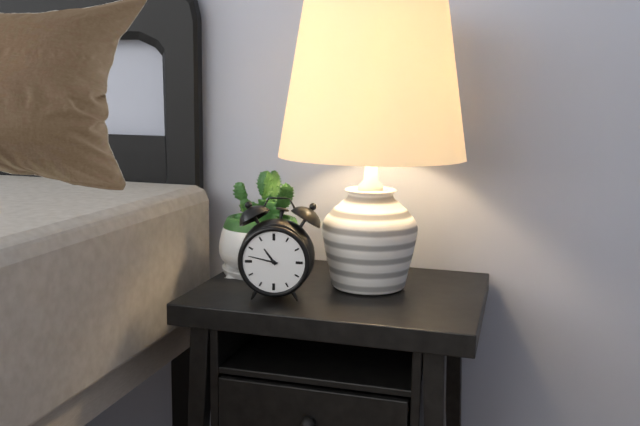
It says 10:47
